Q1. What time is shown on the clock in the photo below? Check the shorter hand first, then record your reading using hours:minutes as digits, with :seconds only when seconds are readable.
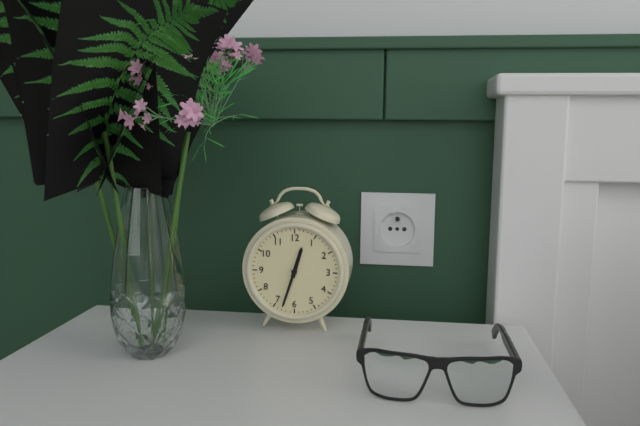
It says 12:33
